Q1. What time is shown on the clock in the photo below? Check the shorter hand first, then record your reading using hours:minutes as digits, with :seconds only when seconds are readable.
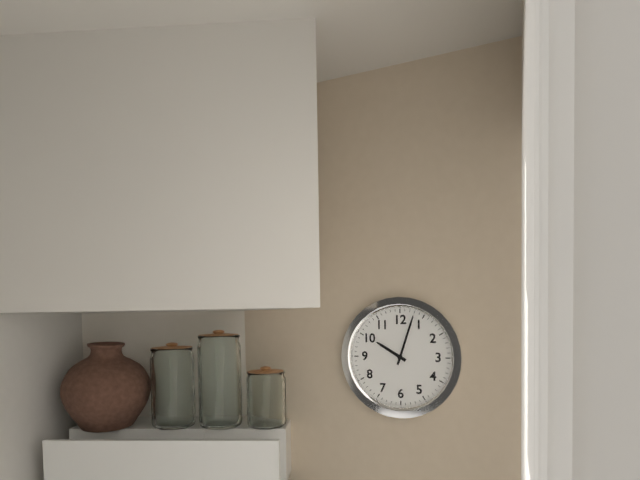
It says 10:03
